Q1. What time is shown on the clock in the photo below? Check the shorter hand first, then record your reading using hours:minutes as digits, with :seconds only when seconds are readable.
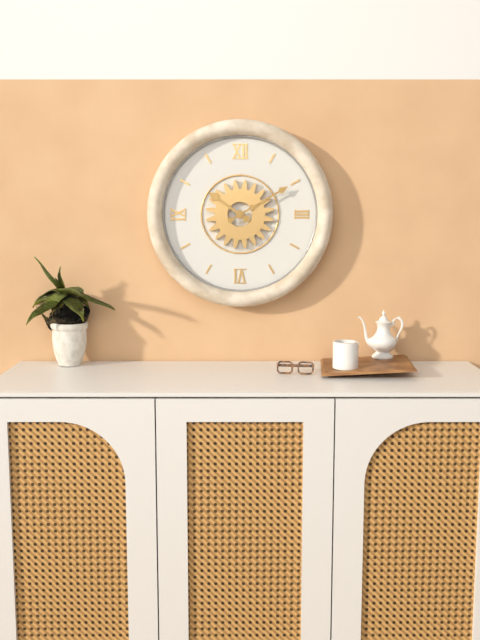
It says 10:10
